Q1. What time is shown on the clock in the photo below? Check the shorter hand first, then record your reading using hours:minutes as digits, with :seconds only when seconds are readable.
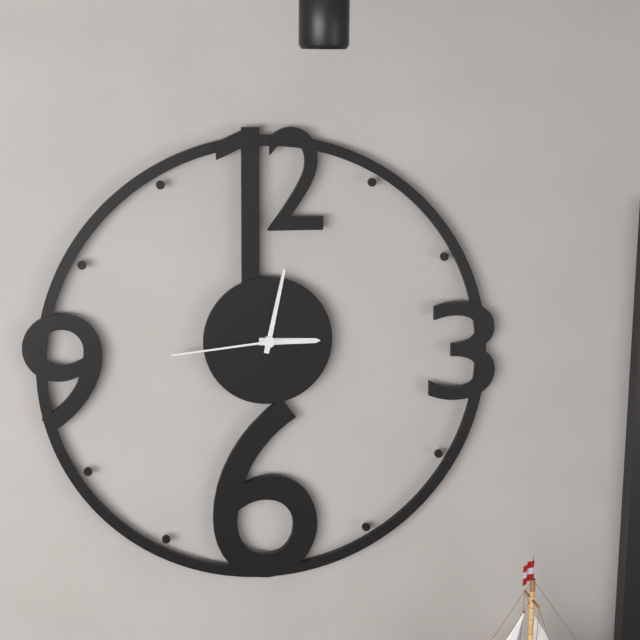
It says 3:02:44
